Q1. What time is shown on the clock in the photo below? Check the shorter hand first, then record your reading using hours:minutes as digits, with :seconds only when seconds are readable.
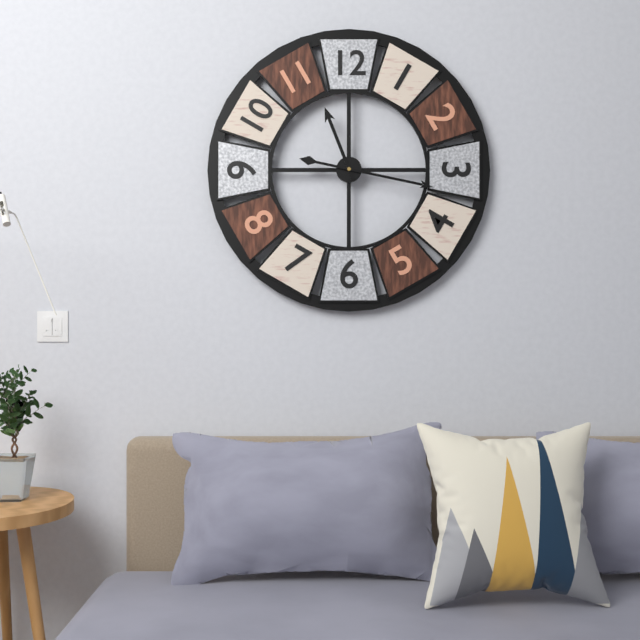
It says 11:17
